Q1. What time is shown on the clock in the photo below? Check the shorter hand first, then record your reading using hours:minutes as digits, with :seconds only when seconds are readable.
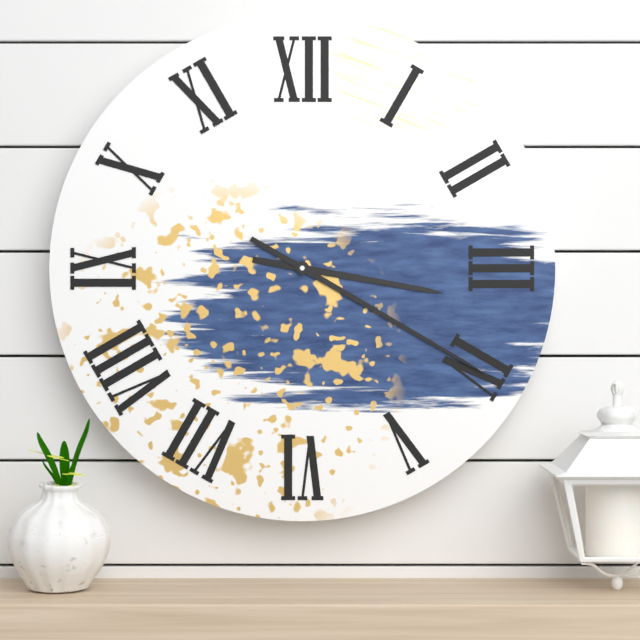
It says 3:20
